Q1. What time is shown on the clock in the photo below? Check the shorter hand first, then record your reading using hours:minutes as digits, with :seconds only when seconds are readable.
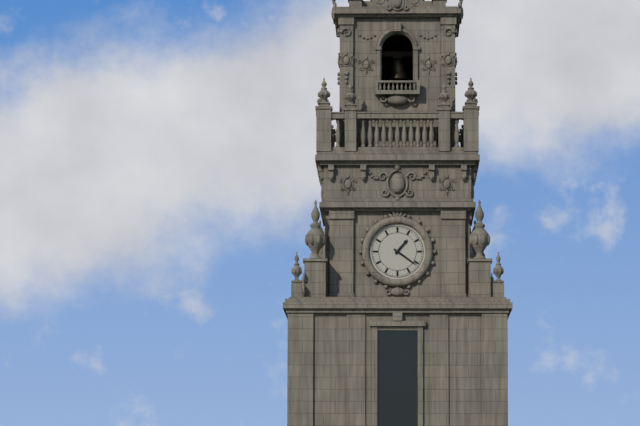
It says 1:21
